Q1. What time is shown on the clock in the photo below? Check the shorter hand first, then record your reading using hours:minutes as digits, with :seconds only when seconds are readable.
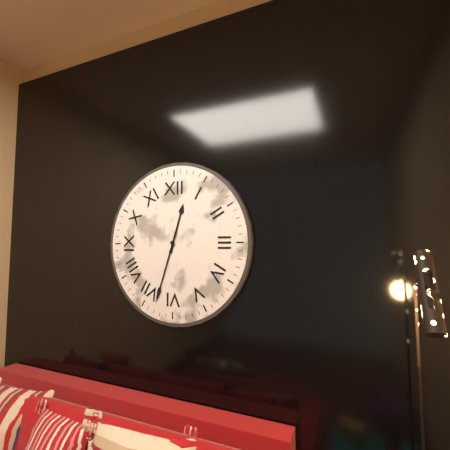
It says 12:33
